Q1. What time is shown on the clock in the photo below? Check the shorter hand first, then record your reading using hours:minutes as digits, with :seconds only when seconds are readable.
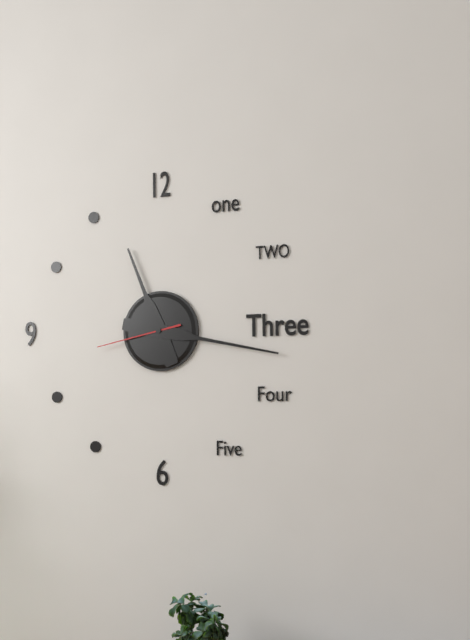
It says 11:17:43
